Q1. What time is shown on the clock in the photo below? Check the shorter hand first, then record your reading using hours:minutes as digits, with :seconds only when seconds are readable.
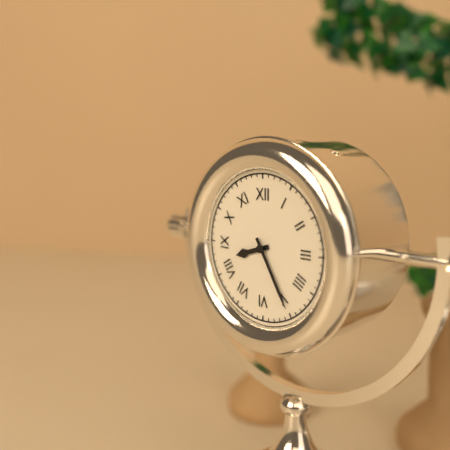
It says 8:25
